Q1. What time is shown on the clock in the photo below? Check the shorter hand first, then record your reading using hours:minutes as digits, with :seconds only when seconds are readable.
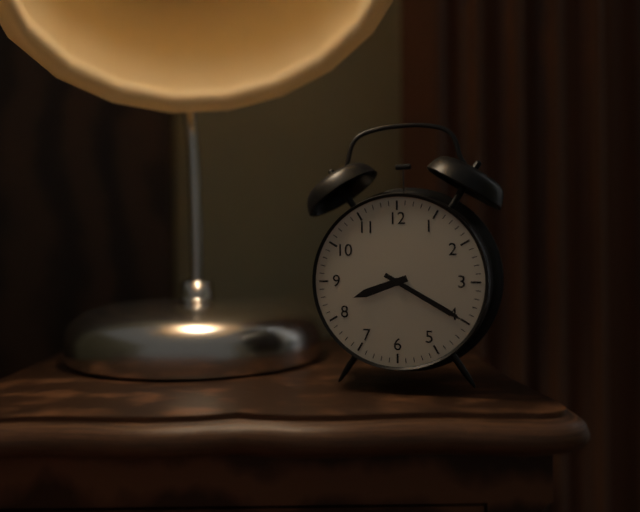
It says 8:20
